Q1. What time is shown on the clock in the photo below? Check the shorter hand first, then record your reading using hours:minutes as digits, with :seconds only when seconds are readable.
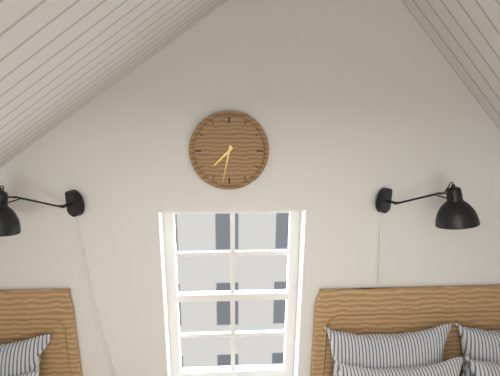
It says 7:32
